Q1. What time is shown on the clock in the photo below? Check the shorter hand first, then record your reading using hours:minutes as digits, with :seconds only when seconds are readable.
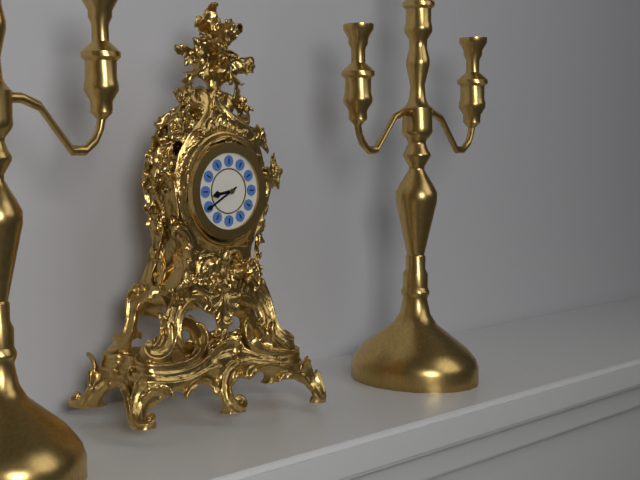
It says 8:40
